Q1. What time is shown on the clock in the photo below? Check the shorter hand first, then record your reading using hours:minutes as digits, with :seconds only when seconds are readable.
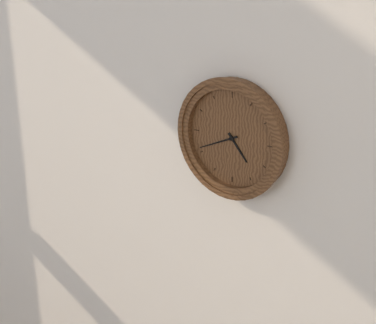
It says 4:41
